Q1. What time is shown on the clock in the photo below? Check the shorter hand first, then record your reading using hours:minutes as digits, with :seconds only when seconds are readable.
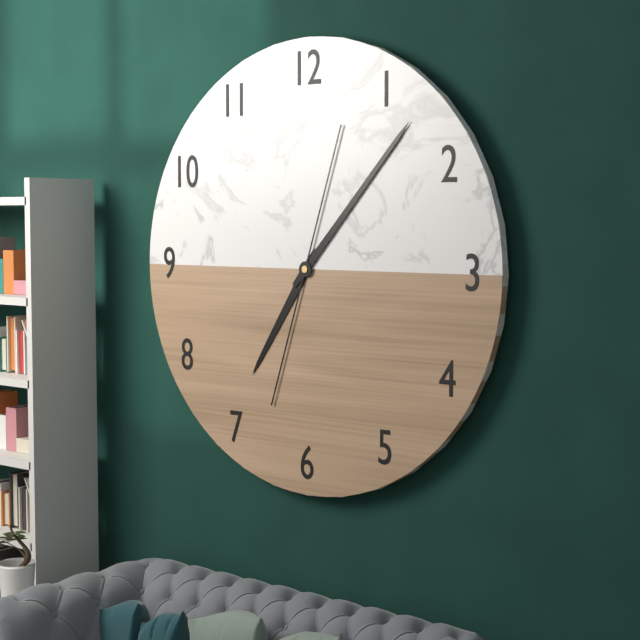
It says 7:07
